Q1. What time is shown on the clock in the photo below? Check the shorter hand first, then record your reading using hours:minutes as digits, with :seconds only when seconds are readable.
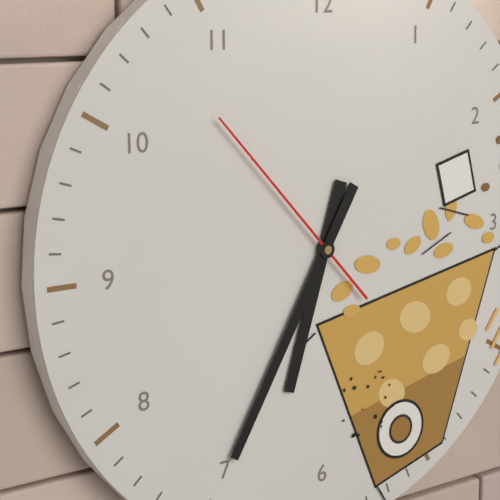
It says 6:35:53
